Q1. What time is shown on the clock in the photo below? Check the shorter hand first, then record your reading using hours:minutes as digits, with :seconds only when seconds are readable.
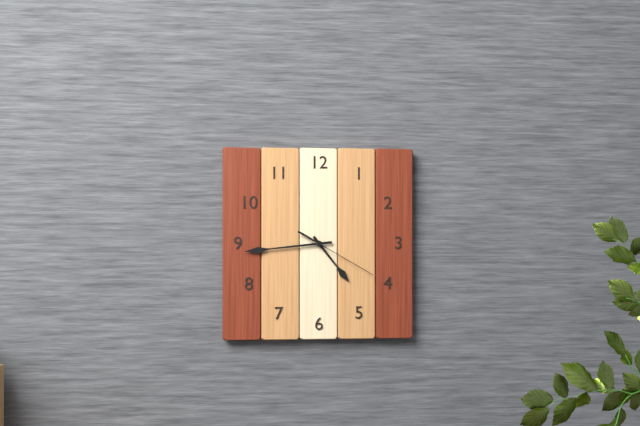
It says 4:44:20
